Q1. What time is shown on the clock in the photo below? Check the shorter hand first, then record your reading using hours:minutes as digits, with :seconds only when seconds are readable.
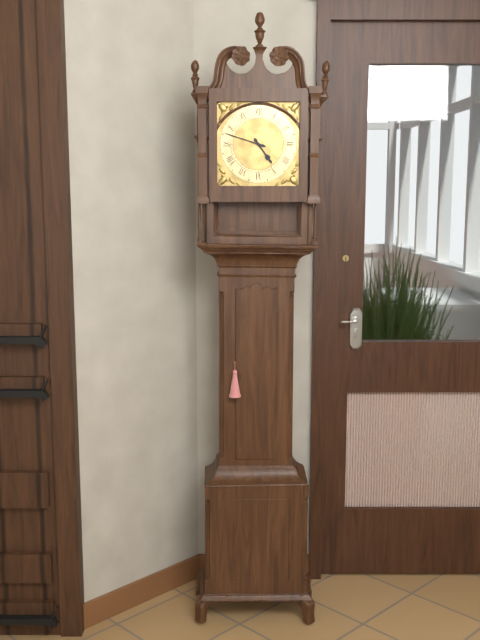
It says 4:48
